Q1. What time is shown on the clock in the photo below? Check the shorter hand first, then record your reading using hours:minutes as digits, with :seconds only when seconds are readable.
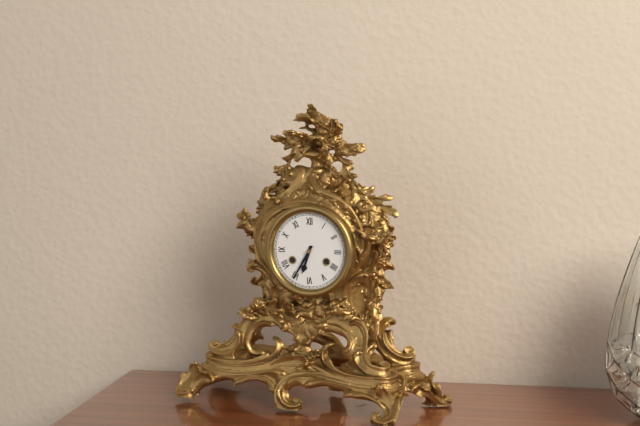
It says 6:35
